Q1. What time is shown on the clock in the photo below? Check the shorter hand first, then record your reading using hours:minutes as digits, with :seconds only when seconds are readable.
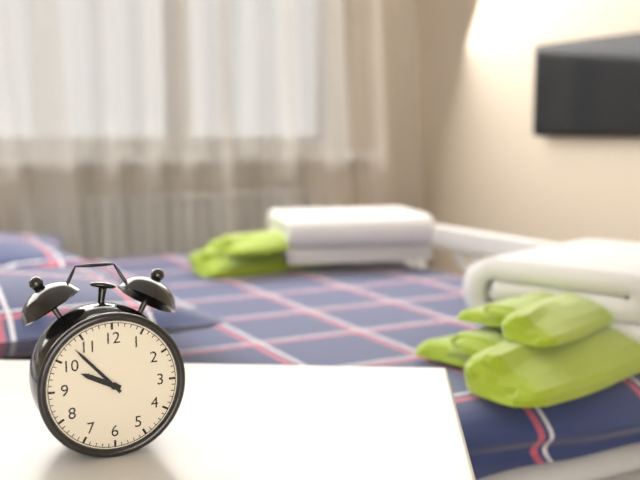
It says 9:53
